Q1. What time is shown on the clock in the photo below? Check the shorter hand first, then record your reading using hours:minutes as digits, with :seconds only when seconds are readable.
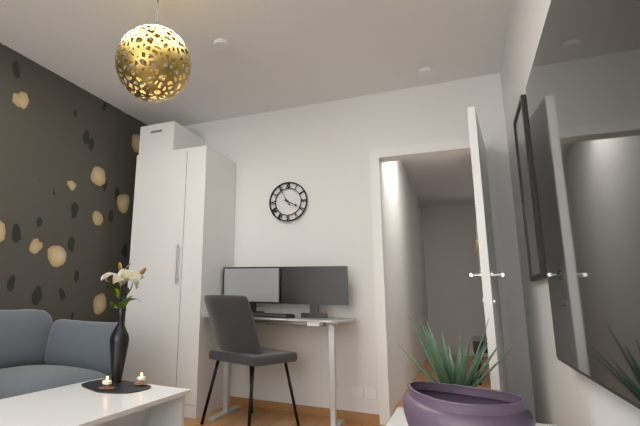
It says 3:55
